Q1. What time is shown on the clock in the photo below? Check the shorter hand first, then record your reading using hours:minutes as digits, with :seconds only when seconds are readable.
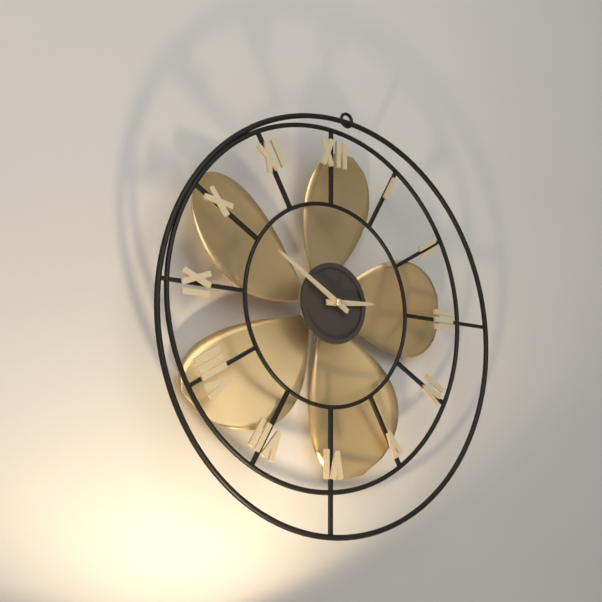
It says 2:50
